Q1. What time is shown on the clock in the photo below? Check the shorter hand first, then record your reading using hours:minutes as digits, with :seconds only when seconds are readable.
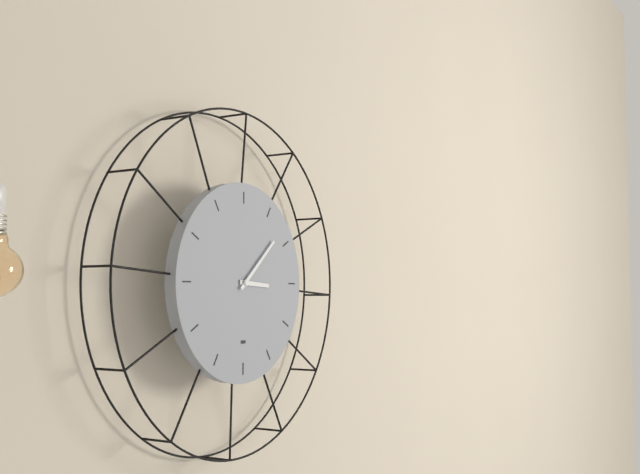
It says 3:08
